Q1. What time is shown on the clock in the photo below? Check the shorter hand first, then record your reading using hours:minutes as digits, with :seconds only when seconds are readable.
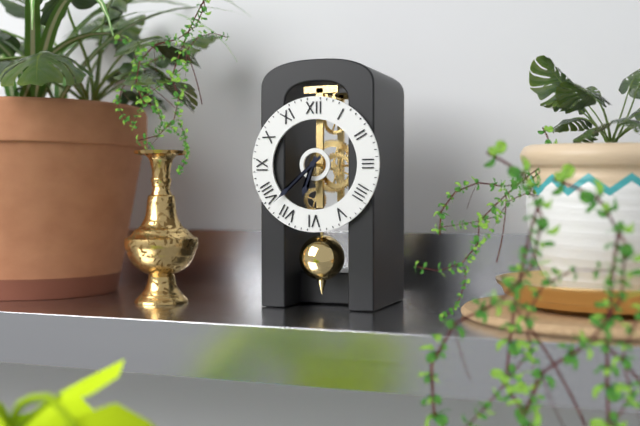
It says 6:38
